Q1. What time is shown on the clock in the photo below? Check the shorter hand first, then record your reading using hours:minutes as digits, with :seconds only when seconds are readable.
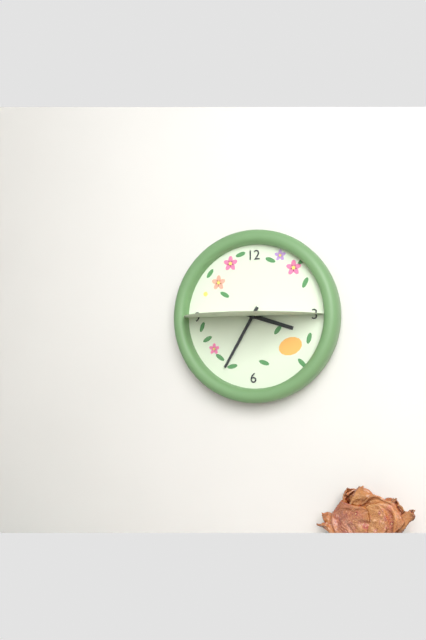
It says 3:35
